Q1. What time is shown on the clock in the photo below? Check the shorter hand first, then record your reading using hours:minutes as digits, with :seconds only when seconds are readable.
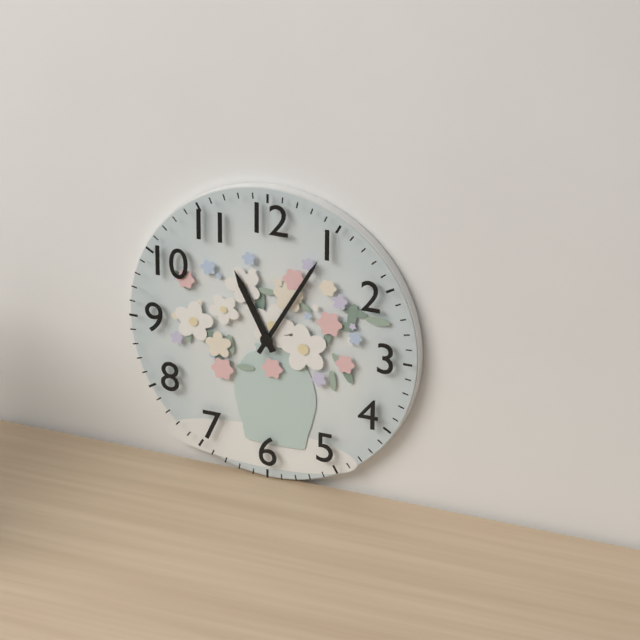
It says 11:05
